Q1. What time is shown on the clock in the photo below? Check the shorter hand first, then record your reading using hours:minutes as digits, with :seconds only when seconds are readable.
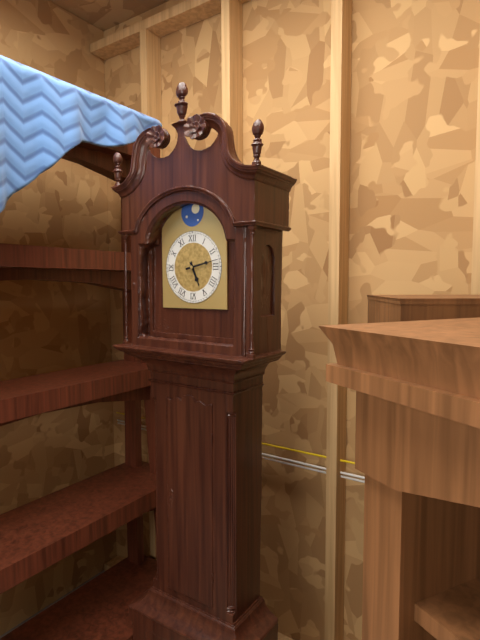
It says 5:13
